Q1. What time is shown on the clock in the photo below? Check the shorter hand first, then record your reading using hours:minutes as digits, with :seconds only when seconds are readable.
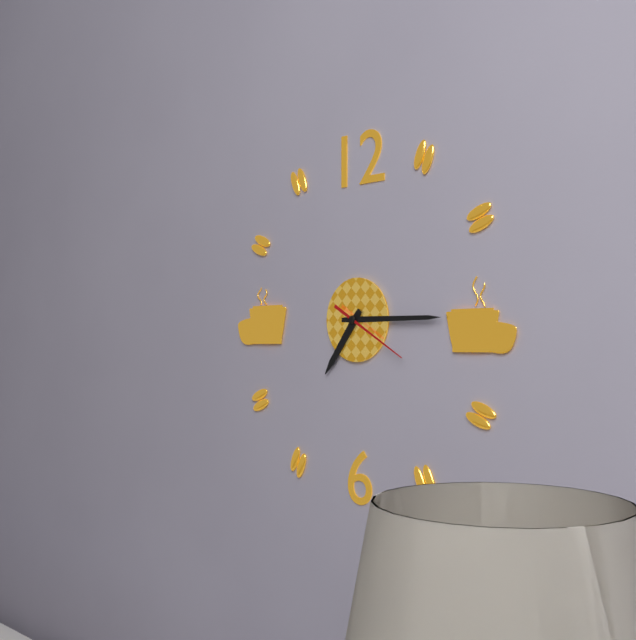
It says 7:15:20
